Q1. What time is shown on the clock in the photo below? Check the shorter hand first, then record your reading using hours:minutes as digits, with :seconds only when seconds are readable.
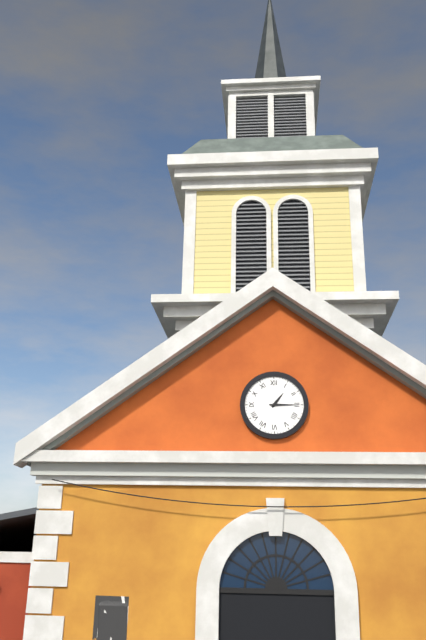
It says 1:15
